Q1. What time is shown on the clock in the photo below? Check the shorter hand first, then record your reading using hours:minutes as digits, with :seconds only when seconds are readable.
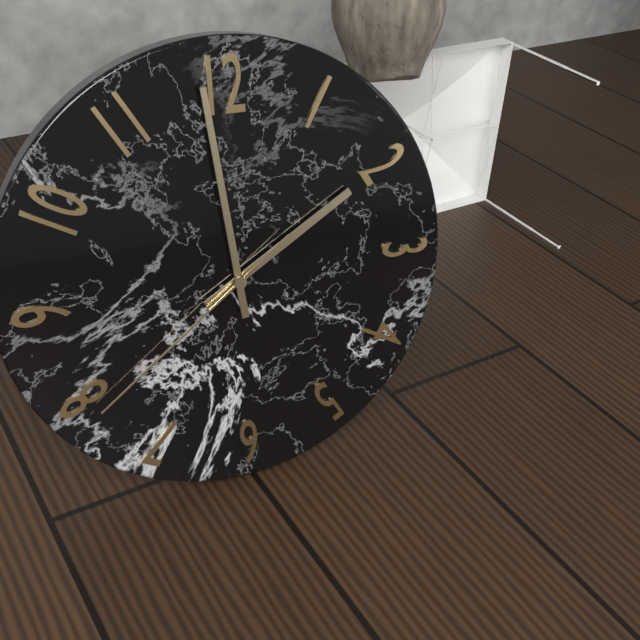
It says 1:59:39
